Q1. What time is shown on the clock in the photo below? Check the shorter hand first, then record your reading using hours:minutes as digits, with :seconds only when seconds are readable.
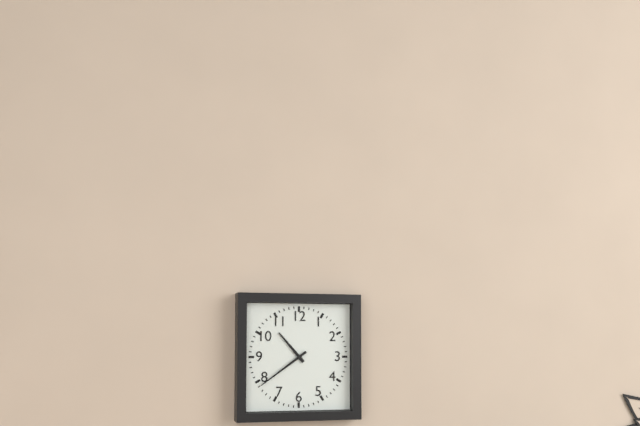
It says 10:39
